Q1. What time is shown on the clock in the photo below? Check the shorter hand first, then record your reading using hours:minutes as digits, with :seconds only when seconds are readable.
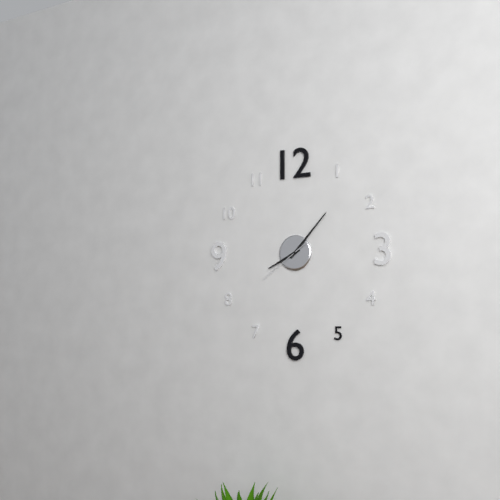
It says 8:07:39
